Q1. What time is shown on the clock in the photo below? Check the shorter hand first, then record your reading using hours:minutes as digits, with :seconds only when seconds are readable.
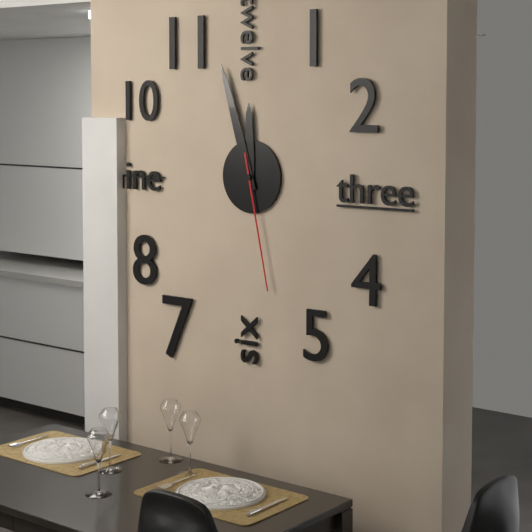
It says 11:57:28
